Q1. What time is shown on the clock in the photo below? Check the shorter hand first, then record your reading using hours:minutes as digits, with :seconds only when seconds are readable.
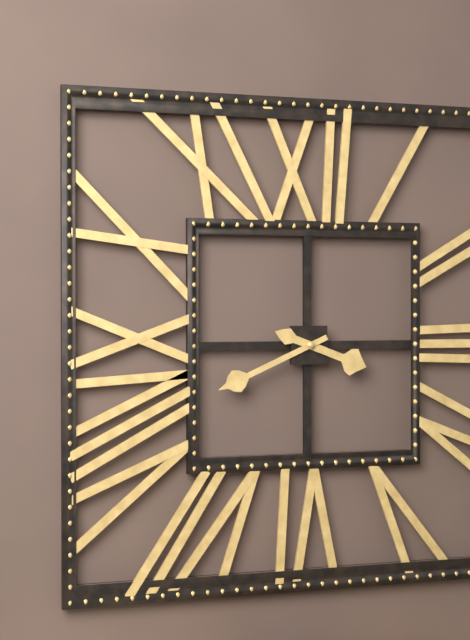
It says 3:41
